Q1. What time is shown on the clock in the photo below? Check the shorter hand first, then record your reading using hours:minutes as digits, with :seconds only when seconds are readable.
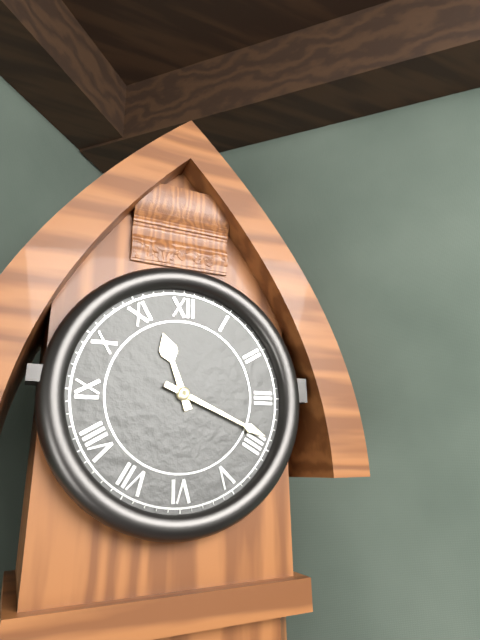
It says 11:19
